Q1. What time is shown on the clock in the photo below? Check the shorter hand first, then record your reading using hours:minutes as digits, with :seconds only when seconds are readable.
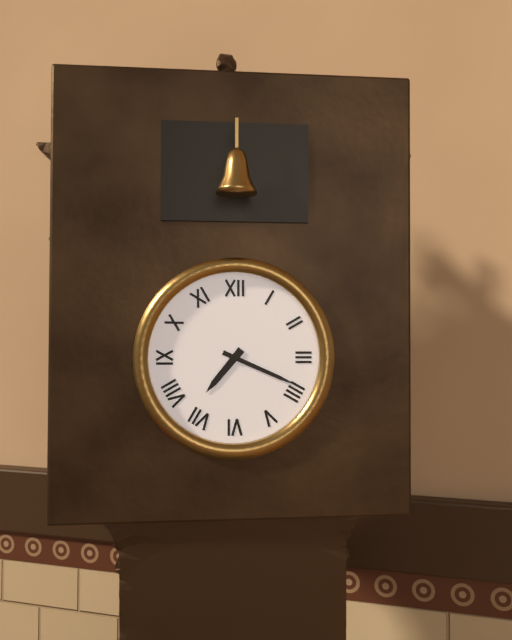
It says 7:19
